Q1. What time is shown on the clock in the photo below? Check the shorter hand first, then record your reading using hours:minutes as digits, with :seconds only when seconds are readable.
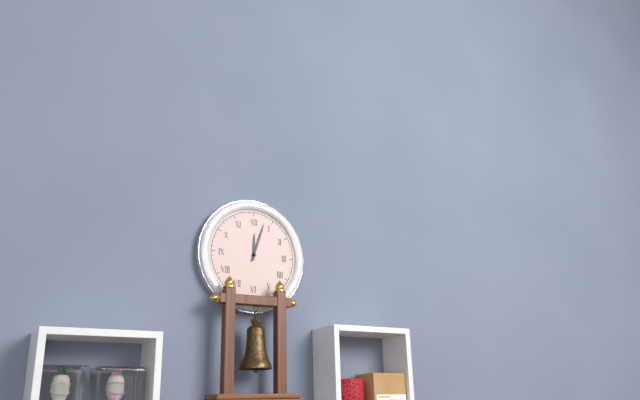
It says 12:03
